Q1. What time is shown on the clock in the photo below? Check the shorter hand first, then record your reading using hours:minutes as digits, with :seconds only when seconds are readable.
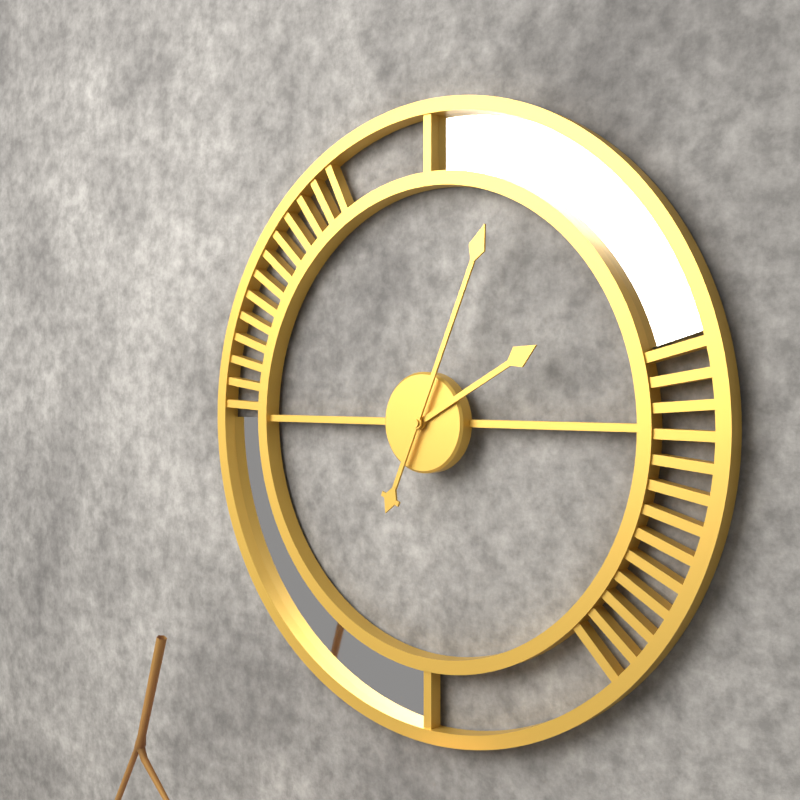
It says 2:04
